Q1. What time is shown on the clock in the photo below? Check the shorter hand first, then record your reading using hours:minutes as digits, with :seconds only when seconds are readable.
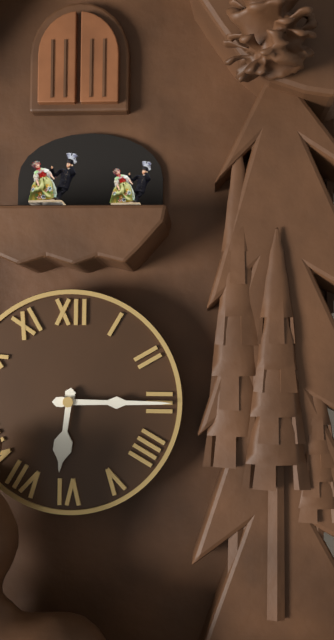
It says 6:15
